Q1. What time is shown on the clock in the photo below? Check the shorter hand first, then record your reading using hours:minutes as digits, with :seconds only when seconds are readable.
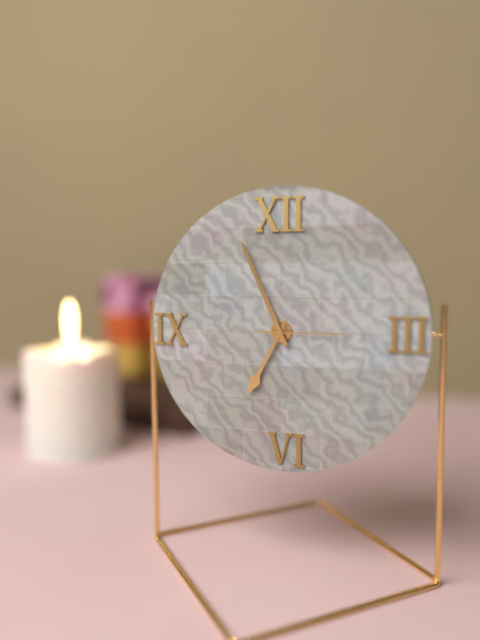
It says 6:56:15
